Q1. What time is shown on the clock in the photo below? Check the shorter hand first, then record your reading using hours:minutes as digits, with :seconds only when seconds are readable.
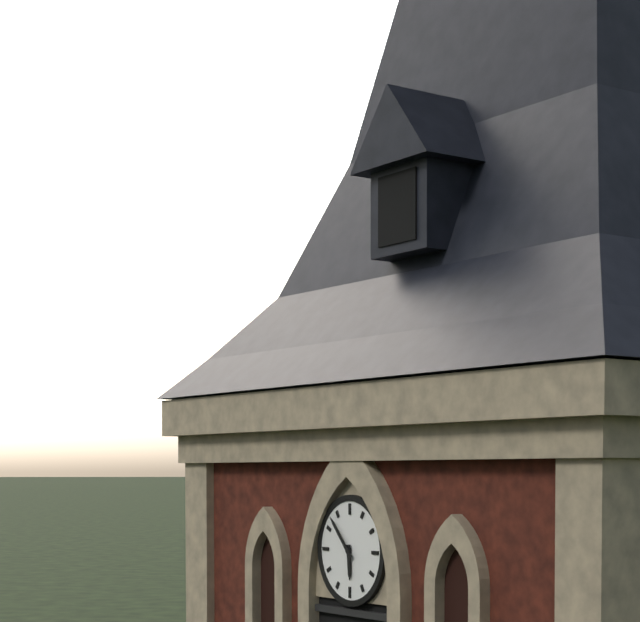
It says 5:53
